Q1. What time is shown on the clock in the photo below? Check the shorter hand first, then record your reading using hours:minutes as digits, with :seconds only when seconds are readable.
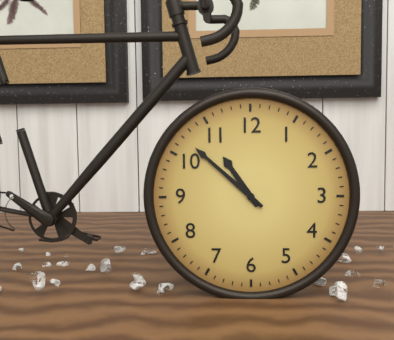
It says 10:52
